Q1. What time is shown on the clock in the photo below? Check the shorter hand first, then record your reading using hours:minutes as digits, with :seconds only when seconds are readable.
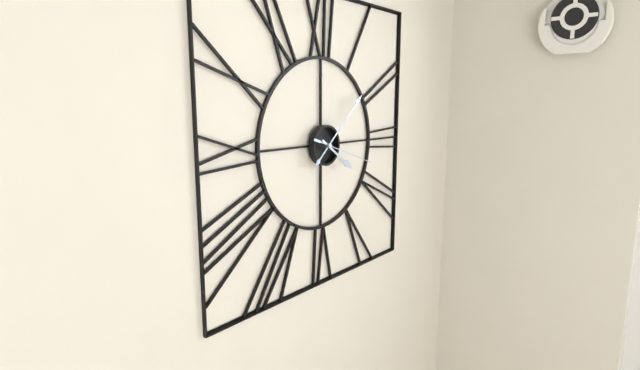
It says 4:08:18
